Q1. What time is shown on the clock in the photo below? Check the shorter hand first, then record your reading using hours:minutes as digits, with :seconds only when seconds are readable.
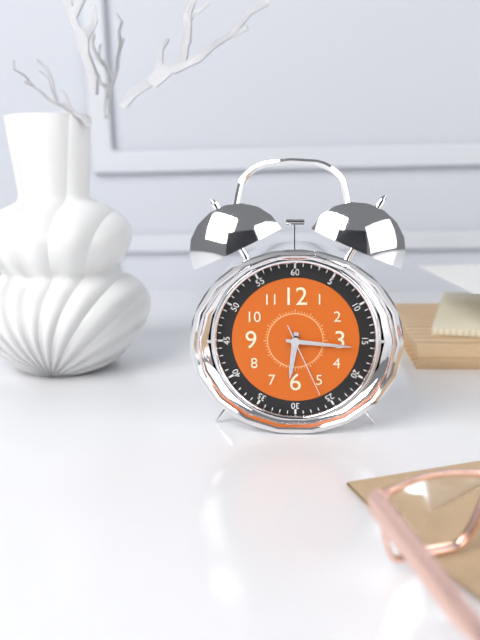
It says 6:16:26
